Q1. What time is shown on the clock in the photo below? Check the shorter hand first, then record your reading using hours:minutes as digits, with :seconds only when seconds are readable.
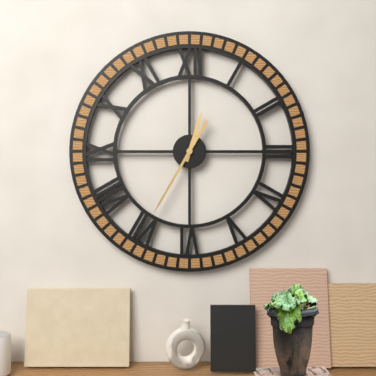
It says 12:35
